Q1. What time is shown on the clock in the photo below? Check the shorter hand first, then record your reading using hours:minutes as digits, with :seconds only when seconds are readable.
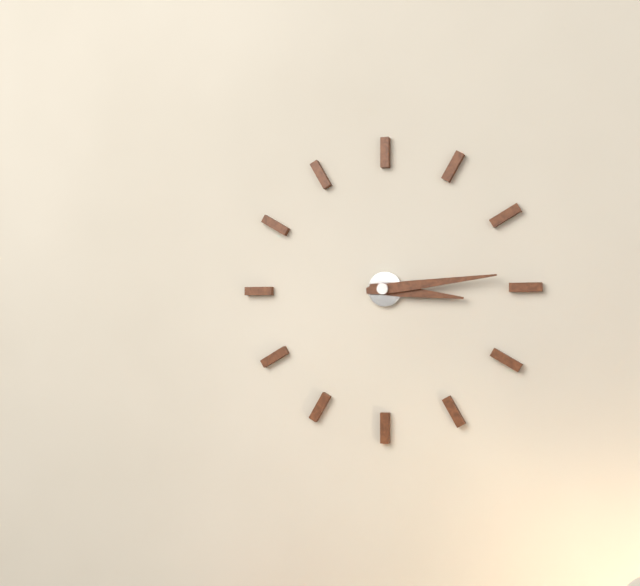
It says 3:14
